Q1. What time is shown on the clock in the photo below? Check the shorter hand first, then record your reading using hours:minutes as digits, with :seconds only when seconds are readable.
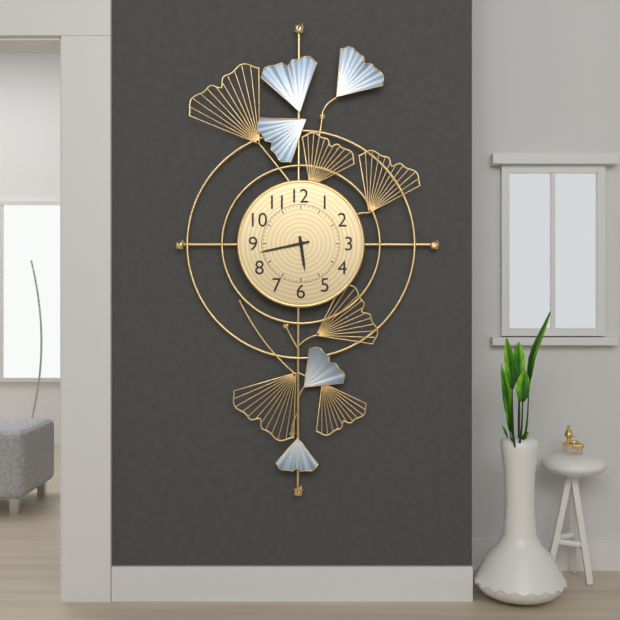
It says 5:43
